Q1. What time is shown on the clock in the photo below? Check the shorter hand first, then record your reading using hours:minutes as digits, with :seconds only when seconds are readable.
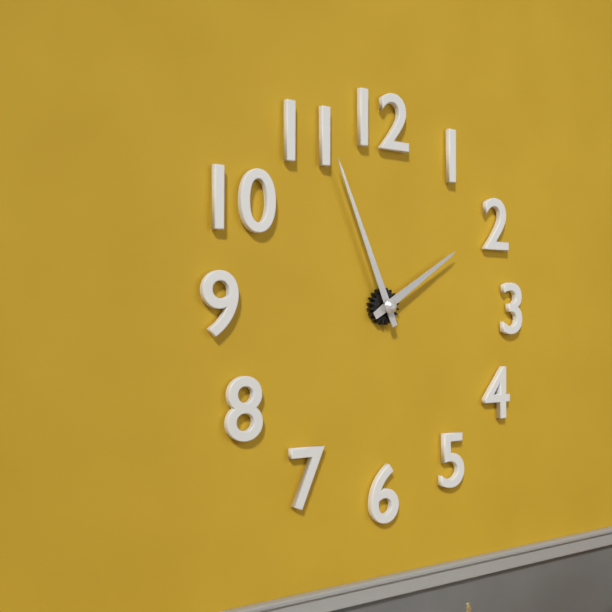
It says 1:56
